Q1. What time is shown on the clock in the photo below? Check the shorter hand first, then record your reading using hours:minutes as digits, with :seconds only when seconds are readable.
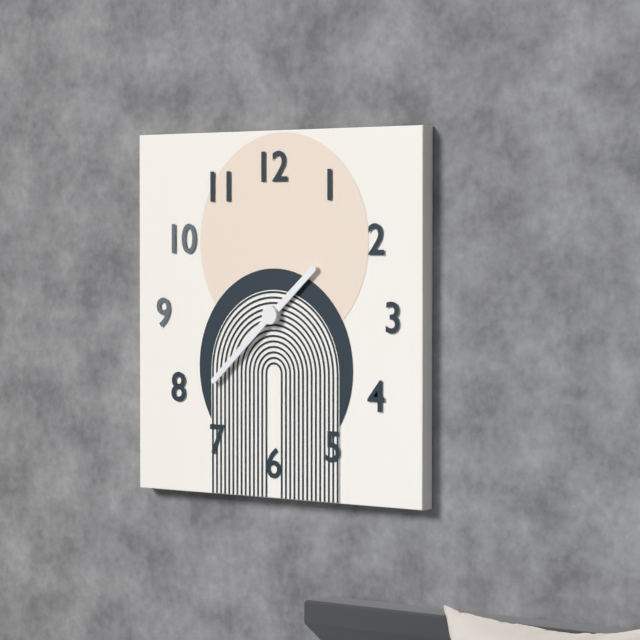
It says 1:38
